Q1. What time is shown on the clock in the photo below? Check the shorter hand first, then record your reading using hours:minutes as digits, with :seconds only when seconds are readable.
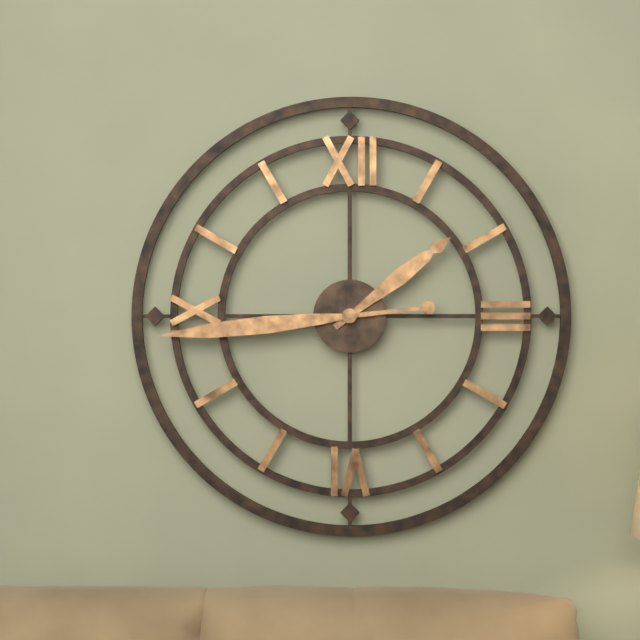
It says 1:44
